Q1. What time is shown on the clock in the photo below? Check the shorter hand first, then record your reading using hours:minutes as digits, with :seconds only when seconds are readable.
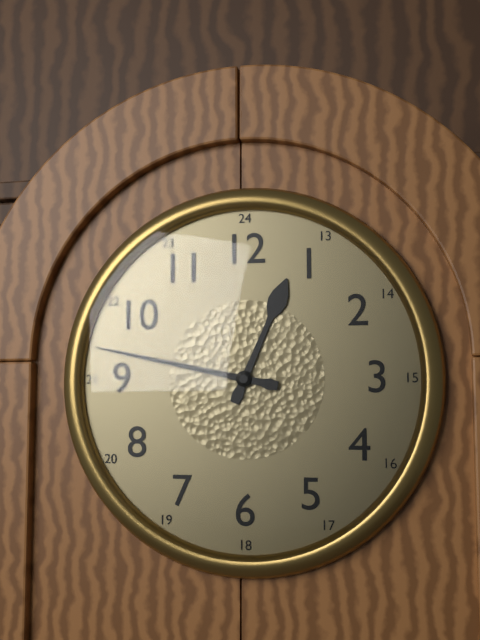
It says 12:47
